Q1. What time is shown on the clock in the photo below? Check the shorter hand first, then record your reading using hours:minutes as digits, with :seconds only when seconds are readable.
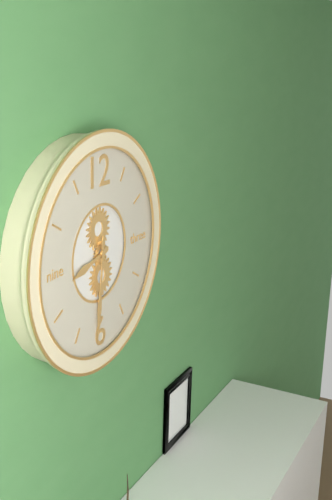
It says 8:31
